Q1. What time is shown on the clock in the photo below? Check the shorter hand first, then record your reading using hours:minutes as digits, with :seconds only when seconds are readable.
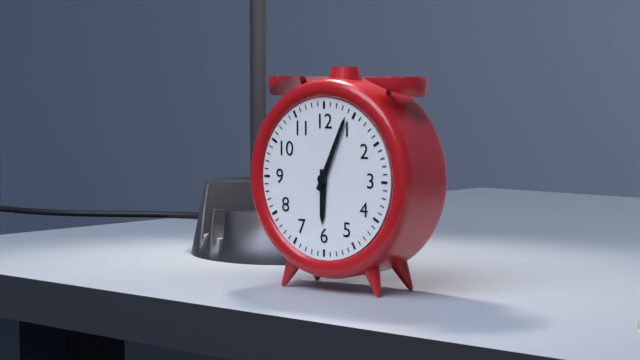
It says 6:04
